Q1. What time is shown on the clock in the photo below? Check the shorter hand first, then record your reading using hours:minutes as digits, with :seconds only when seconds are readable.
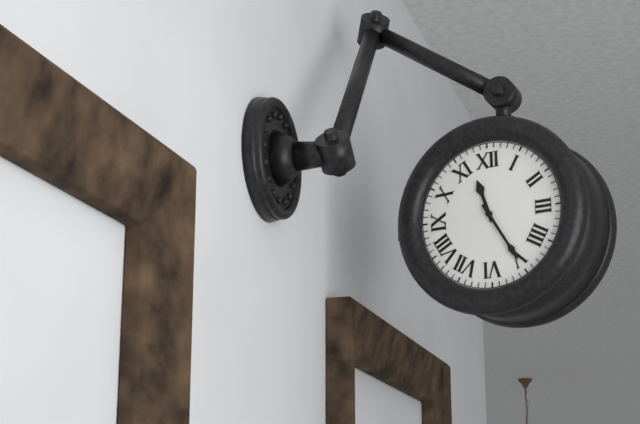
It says 11:25
